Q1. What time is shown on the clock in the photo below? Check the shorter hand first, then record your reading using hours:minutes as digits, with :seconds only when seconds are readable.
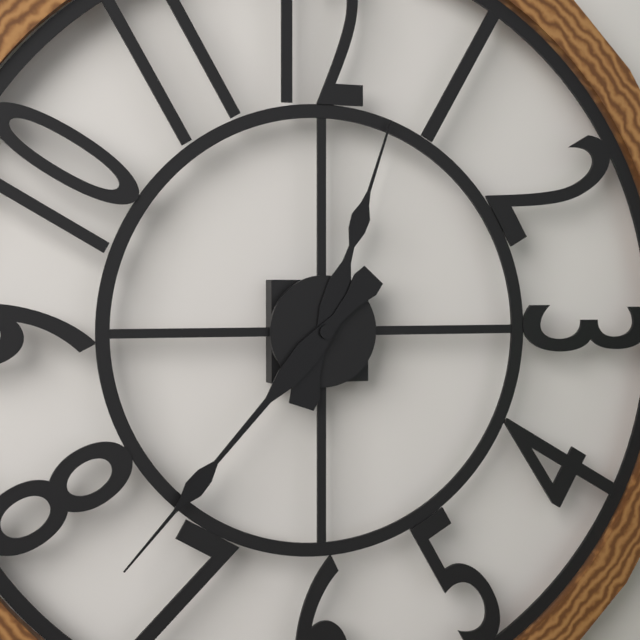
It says 12:37
